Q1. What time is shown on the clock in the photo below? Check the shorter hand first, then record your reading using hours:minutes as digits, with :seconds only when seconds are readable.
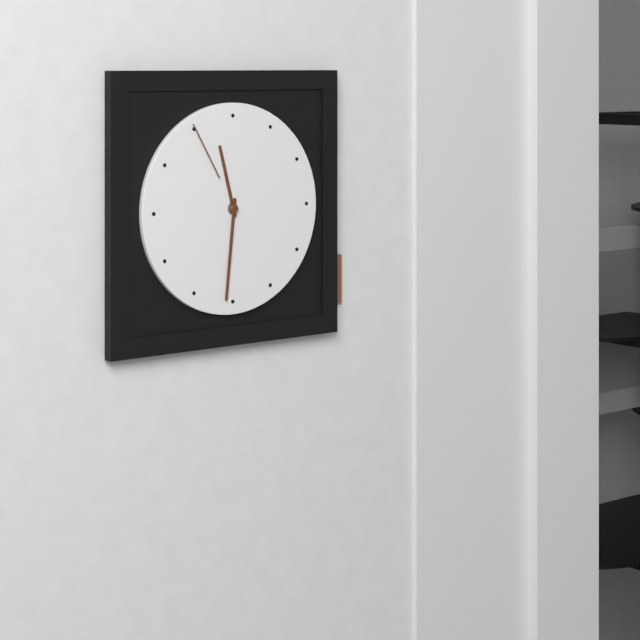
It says 11:31:55
